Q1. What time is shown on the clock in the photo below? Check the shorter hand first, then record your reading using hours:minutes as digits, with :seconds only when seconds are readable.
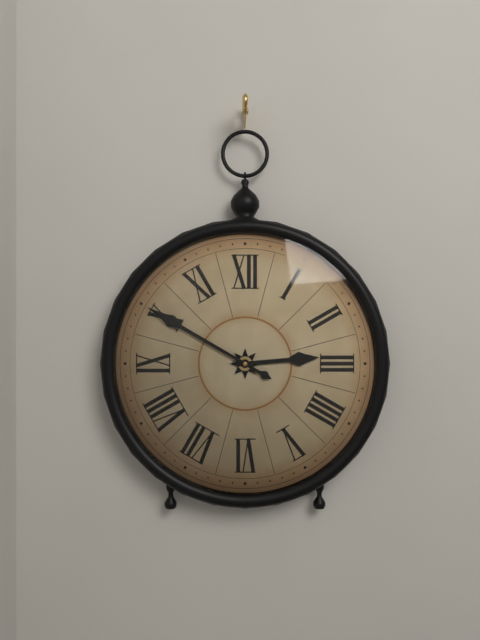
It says 2:50
